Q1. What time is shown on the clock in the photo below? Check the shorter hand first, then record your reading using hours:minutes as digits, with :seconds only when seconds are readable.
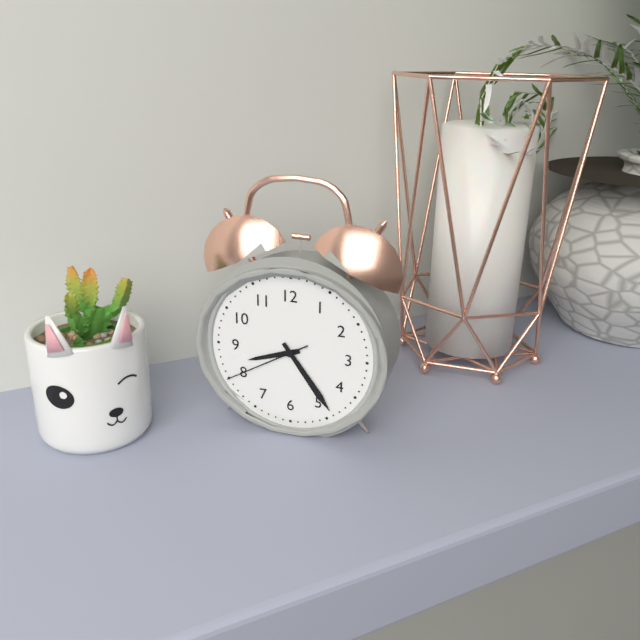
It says 8:24:40
